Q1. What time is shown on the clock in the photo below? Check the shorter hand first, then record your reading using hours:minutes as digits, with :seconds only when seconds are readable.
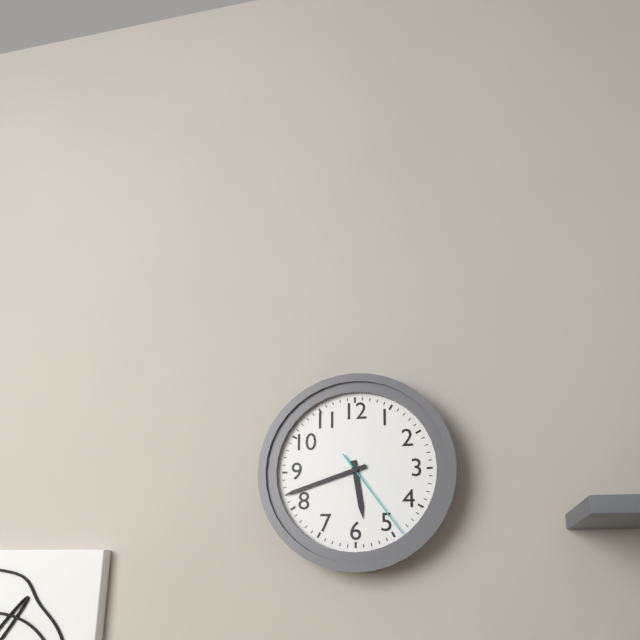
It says 5:42:24
